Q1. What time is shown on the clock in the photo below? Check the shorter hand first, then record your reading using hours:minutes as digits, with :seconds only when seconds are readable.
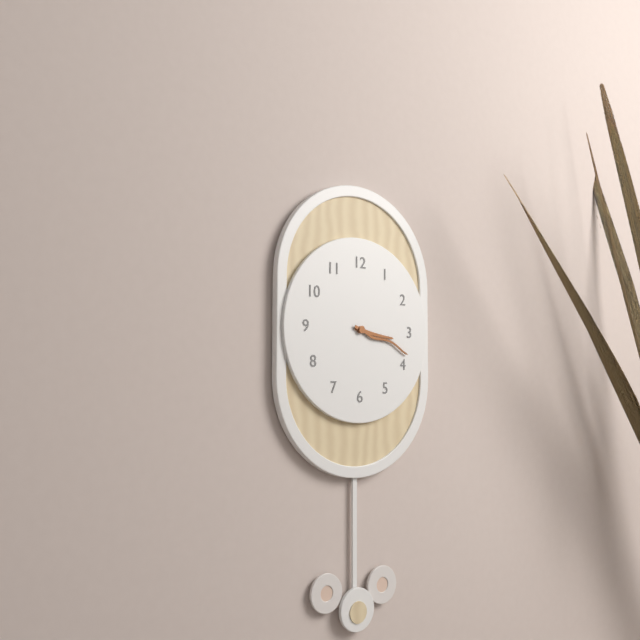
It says 3:18
